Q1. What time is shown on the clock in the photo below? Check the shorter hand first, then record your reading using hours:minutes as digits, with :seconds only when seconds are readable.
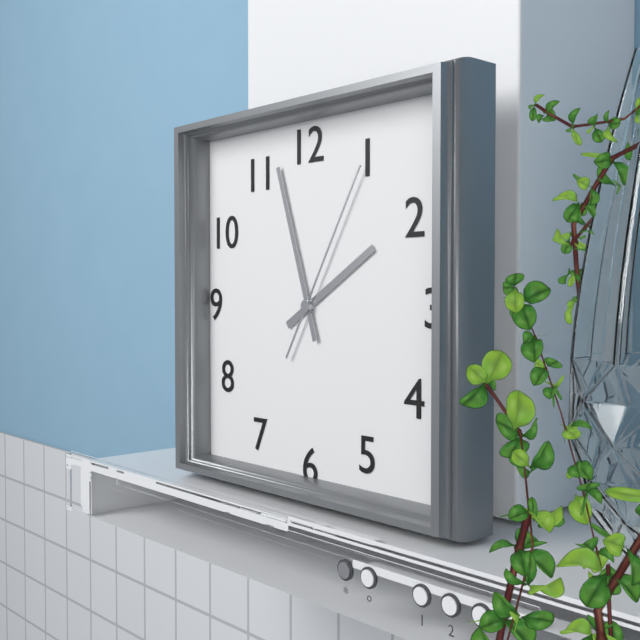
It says 1:57:05
